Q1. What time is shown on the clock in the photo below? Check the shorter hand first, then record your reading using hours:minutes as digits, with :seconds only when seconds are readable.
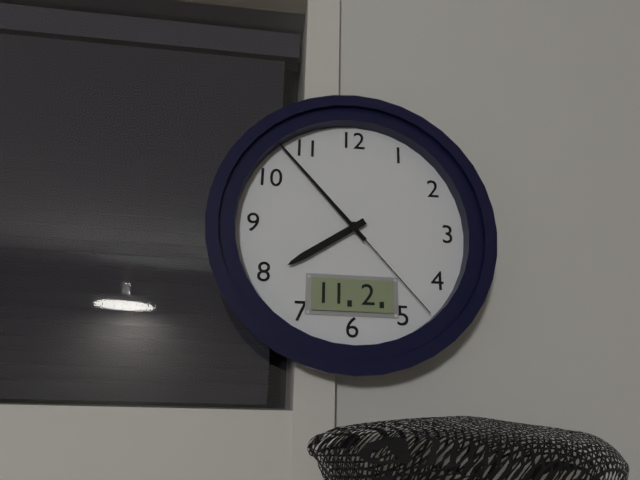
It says 7:53:23
